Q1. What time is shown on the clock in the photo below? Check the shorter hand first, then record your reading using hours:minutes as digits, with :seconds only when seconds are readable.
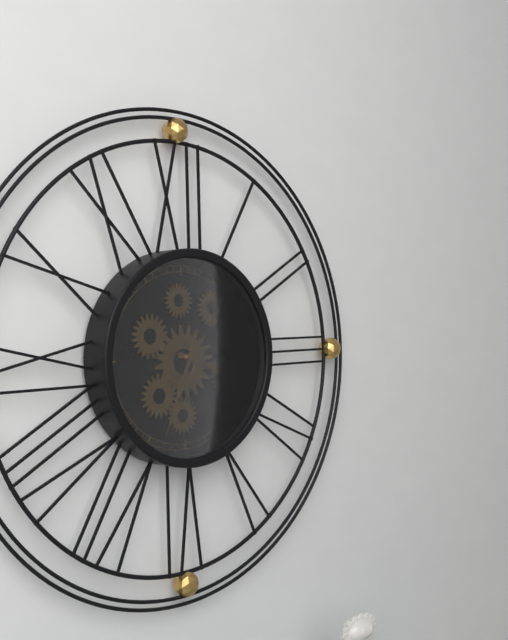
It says 3:34
